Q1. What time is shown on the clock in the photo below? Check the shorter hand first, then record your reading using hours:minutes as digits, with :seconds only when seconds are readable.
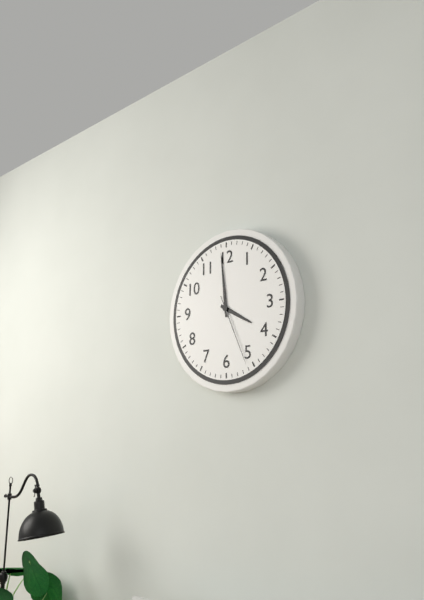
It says 3:59:26
